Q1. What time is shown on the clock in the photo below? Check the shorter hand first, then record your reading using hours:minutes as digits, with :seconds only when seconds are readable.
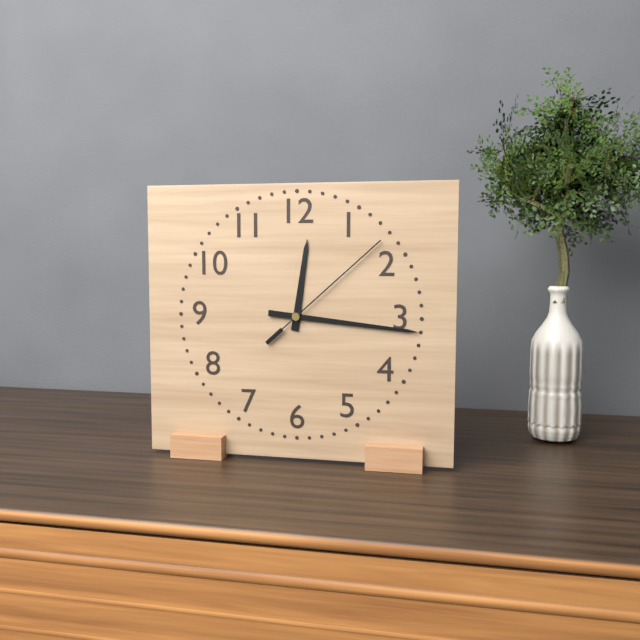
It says 12:16:08
